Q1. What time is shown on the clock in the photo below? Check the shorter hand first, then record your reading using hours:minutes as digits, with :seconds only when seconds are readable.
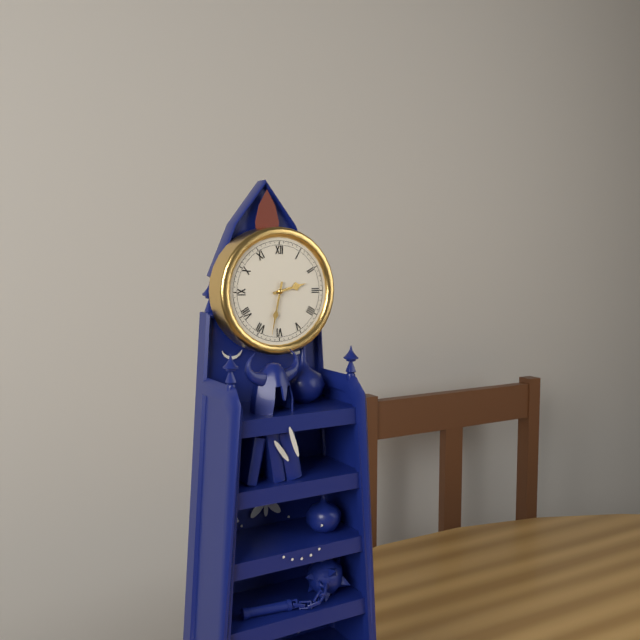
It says 2:32
